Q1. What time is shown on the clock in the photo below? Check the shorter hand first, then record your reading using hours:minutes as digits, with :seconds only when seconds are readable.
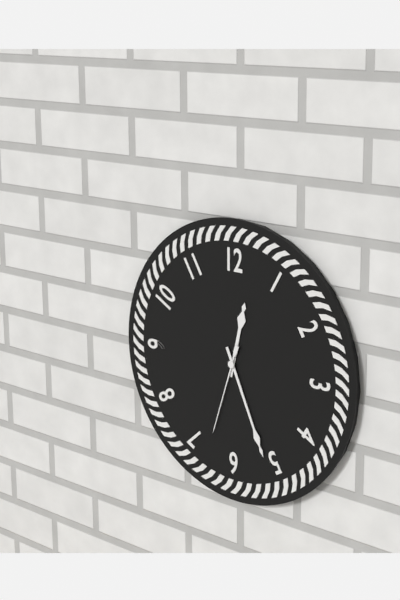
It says 12:26:33
